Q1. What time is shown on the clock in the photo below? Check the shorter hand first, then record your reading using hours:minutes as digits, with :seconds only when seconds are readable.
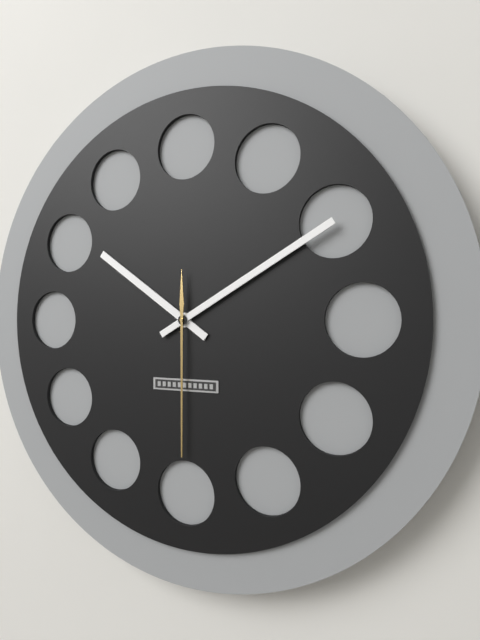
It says 10:10:30
